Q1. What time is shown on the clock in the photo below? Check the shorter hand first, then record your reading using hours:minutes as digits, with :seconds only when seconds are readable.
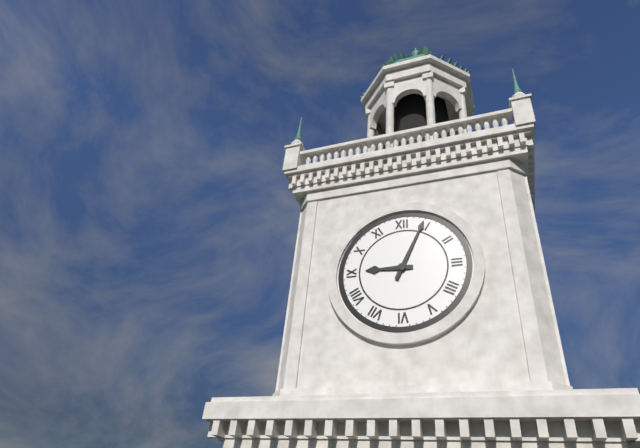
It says 9:04
